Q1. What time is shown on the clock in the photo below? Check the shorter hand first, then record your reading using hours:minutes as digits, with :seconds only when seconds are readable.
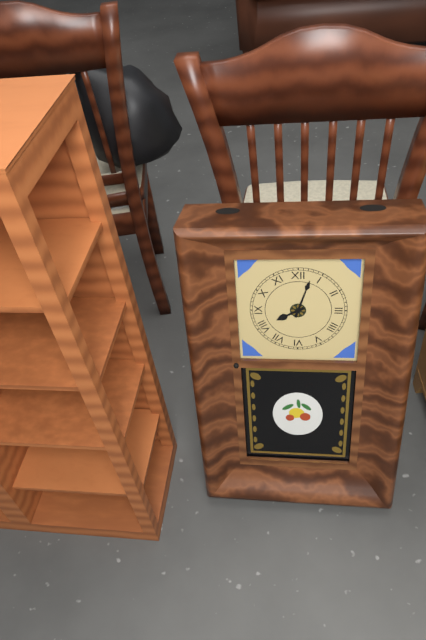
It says 8:03
